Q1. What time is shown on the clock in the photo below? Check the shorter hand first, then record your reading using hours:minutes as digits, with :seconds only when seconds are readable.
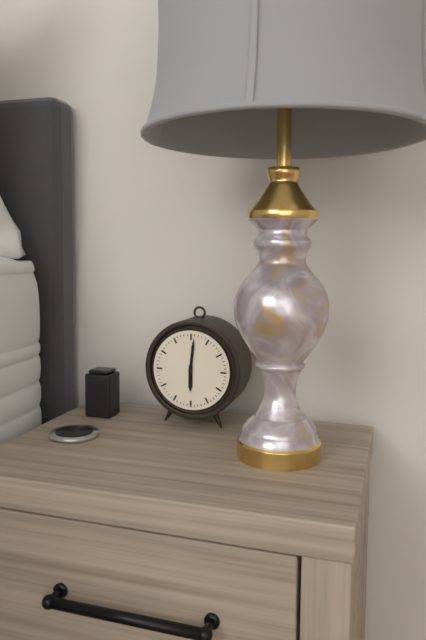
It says 6:01
